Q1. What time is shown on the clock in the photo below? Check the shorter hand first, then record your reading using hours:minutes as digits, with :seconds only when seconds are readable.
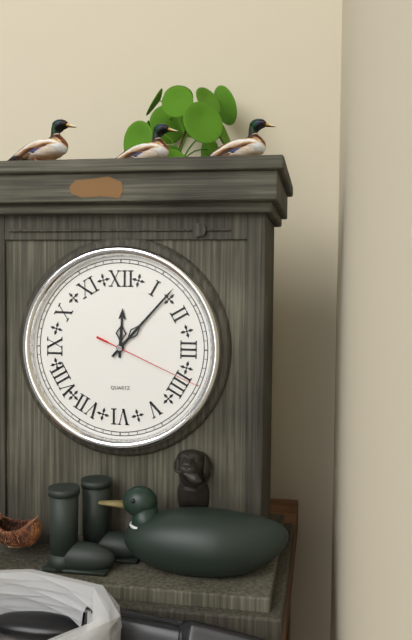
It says 12:07:19
